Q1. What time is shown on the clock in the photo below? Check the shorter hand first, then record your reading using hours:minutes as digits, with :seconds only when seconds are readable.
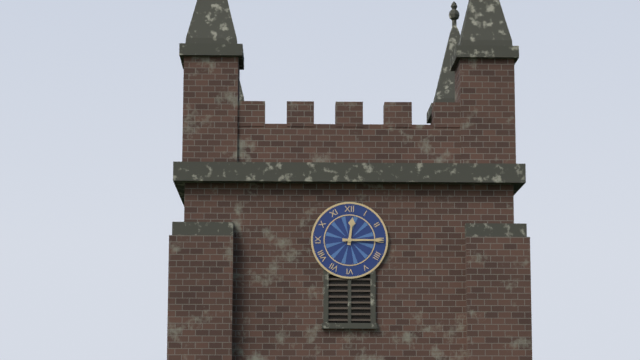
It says 12:15
